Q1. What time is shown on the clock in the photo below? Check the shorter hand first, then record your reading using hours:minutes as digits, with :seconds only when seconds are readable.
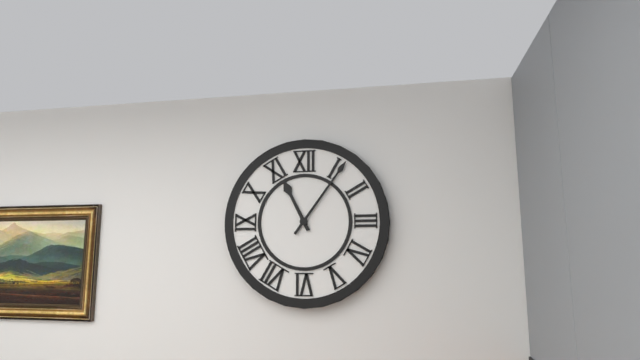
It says 11:06
